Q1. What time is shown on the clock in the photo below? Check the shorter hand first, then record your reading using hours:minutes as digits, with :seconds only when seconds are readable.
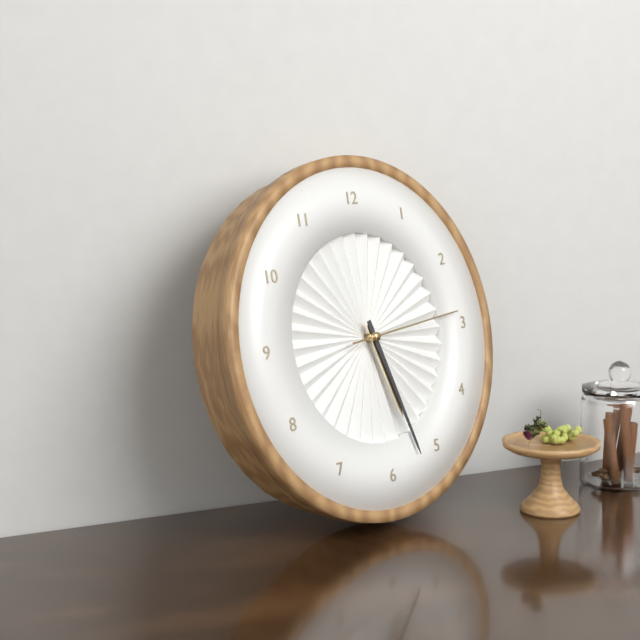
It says 5:27:14
